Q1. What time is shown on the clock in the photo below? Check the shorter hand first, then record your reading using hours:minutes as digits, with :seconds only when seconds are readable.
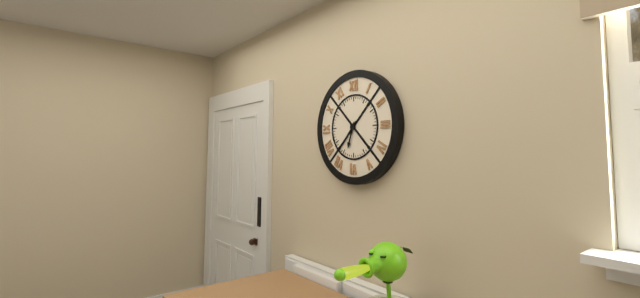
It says 6:37
